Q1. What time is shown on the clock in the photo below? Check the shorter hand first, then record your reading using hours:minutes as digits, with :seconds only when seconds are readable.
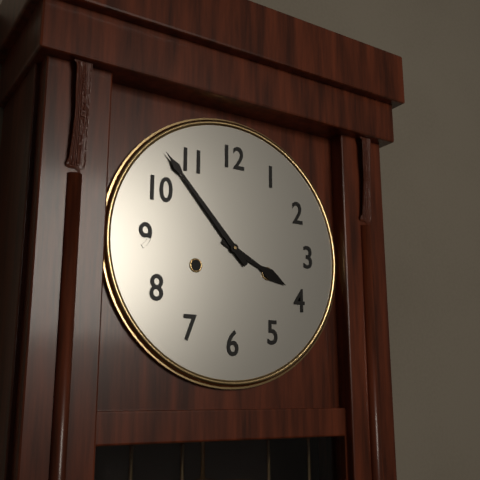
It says 3:53
